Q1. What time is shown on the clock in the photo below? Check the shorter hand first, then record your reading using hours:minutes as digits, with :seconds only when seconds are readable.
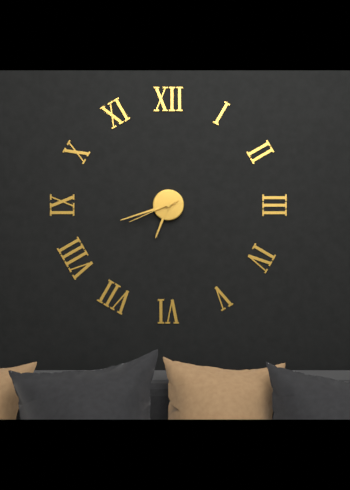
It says 6:42:41
